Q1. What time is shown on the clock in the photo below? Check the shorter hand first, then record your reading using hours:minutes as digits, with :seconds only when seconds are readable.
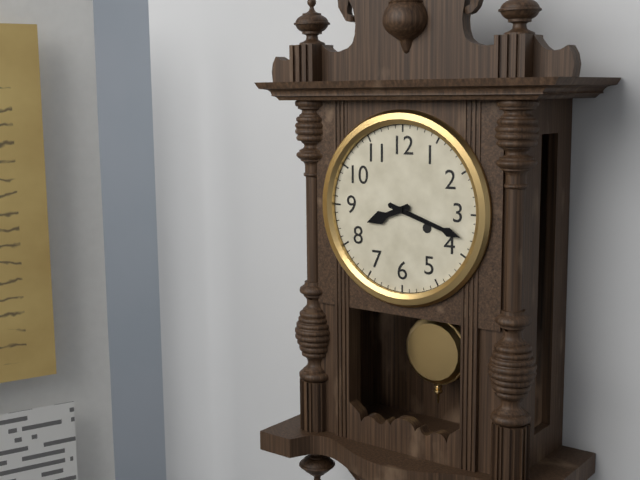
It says 8:18
